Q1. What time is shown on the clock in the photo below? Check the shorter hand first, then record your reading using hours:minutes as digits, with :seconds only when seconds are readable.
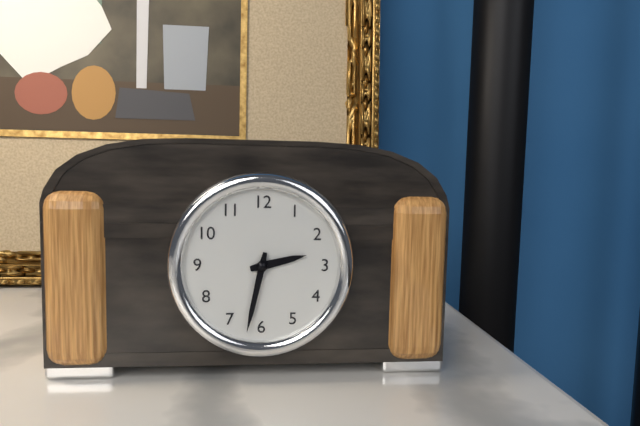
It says 2:32
